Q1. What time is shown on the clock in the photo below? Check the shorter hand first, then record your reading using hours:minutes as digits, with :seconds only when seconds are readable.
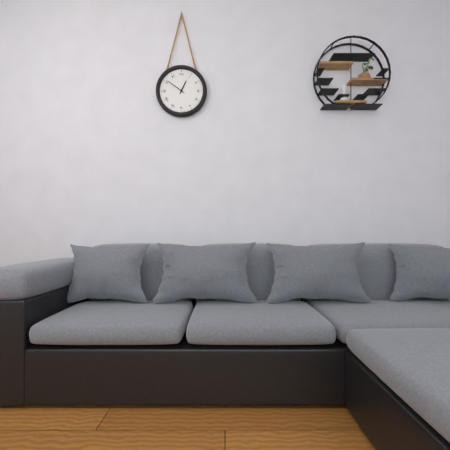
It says 12:51
